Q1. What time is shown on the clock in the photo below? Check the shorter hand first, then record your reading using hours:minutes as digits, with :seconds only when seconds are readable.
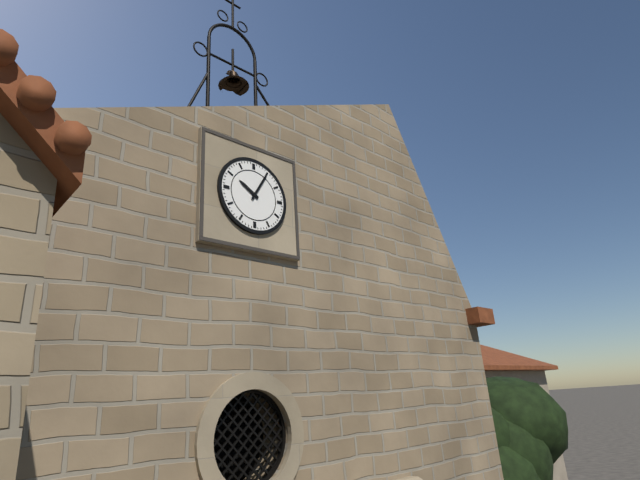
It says 10:05
